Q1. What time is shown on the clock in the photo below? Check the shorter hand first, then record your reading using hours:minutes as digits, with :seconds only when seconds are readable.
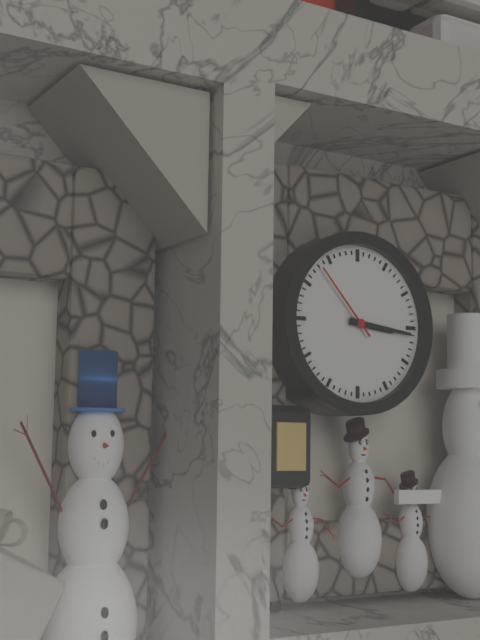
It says 3:16:53
